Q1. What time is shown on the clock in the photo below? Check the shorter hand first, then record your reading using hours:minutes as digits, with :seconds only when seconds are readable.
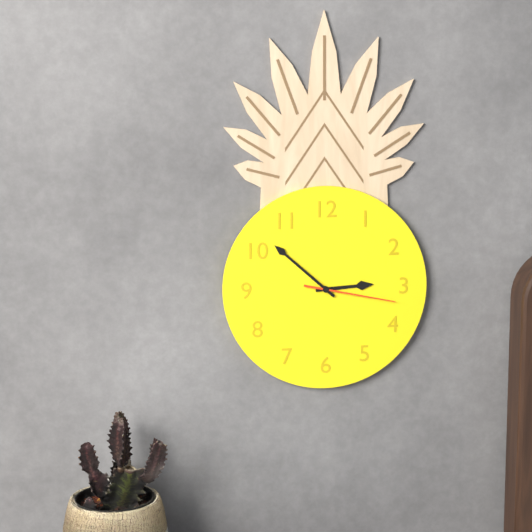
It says 2:52:17
